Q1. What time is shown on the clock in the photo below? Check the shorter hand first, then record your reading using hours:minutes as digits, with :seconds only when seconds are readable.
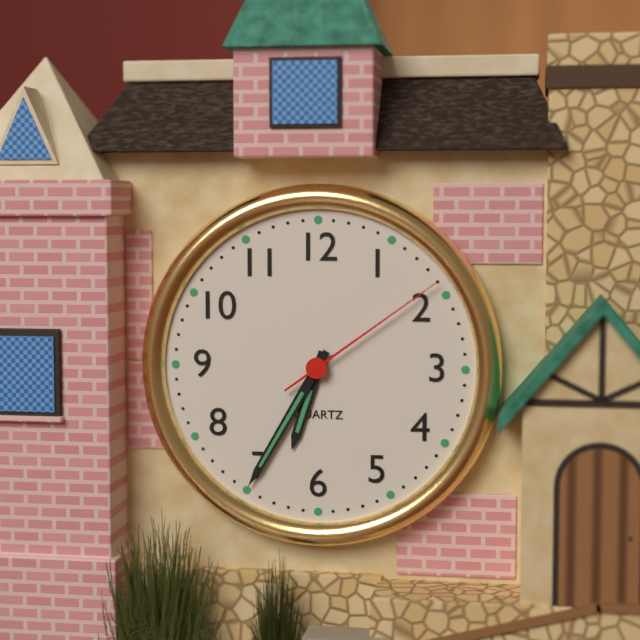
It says 6:35:09
